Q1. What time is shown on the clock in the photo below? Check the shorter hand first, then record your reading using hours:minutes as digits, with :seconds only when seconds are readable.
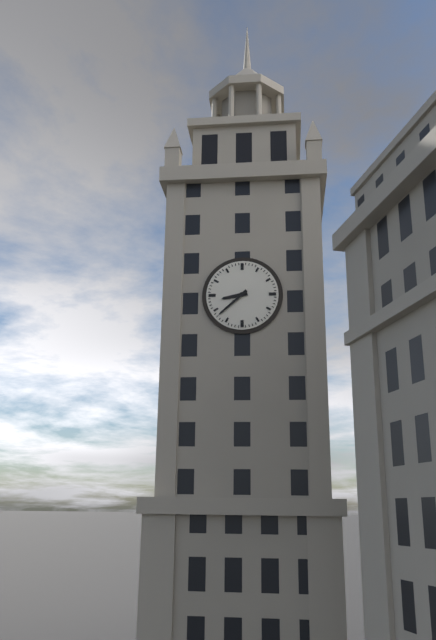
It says 8:38
